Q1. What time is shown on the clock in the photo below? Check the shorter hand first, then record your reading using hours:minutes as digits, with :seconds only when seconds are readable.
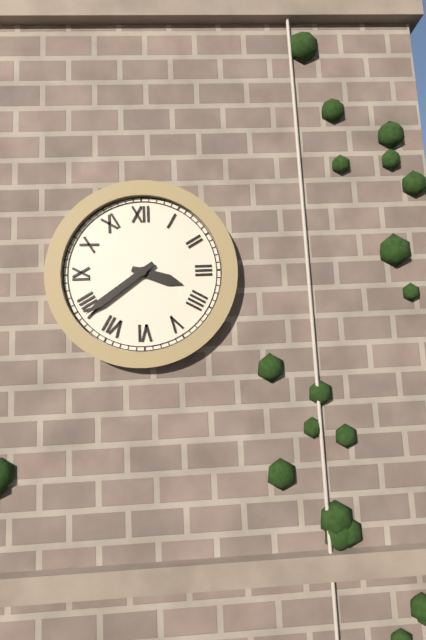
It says 3:39
